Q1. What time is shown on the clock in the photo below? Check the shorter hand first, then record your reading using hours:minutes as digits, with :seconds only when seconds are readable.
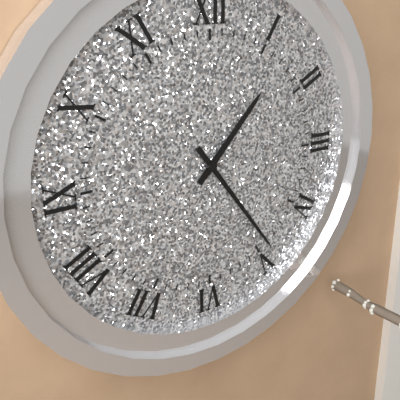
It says 1:24
